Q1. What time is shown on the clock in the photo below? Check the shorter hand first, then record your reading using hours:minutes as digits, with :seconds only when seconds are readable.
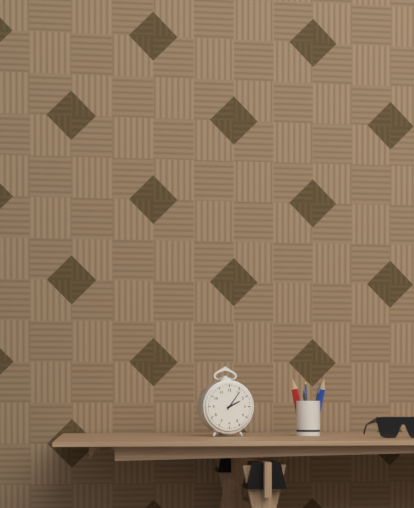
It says 2:06
